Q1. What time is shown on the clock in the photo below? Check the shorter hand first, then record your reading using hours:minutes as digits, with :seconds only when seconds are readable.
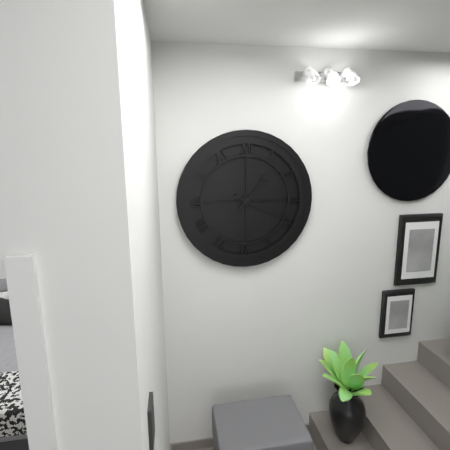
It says 1:19
